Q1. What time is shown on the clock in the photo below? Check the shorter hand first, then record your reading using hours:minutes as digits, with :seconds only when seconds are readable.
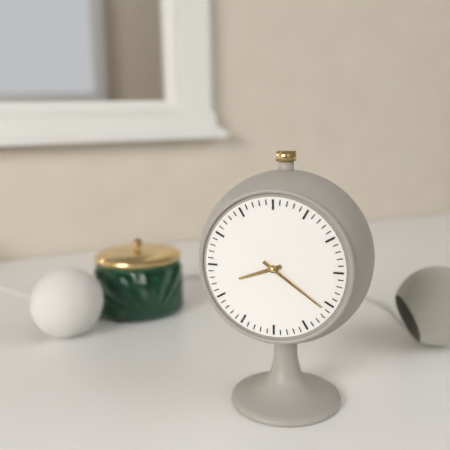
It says 8:21
